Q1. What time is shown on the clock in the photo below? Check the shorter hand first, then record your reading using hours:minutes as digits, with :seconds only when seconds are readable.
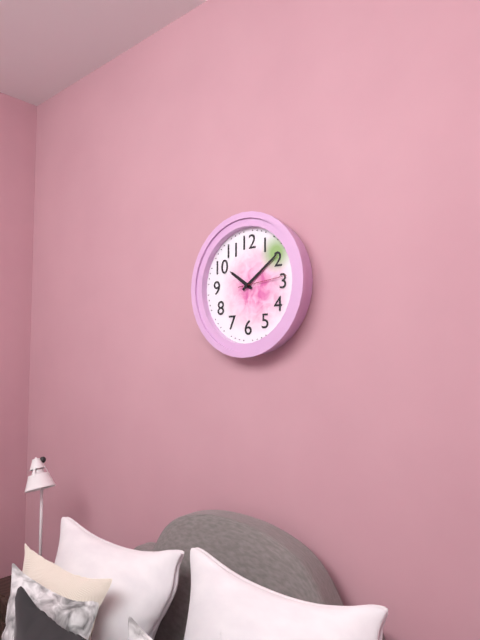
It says 10:09:14
